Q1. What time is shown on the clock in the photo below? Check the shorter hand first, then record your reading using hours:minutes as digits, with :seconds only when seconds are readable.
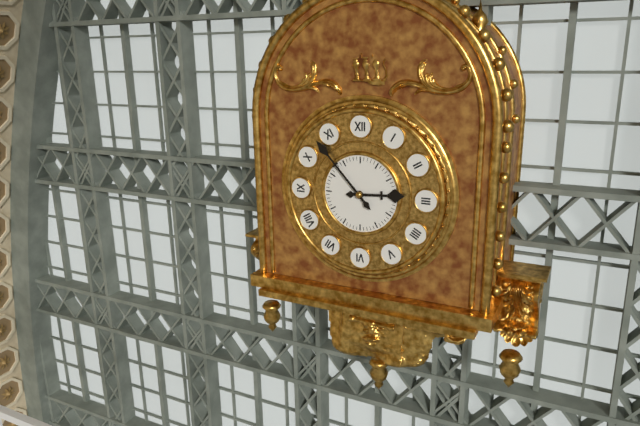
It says 2:53
